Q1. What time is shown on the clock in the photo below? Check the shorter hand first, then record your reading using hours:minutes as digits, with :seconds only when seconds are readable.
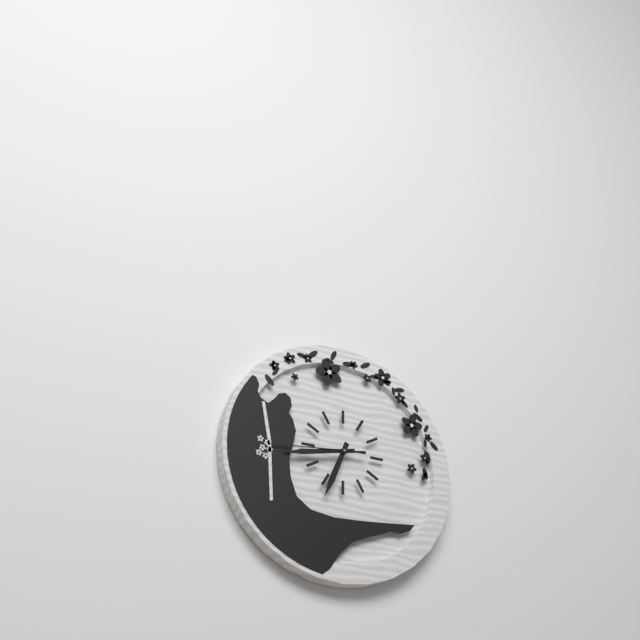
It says 6:43:44
